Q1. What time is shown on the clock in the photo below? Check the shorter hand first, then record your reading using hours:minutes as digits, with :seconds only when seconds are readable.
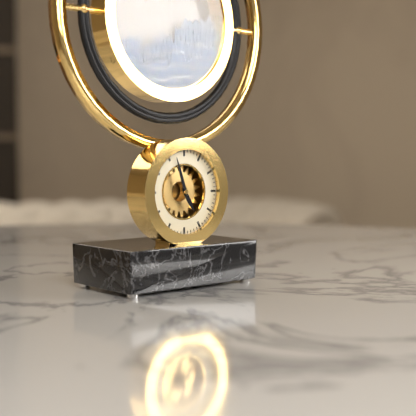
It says 4:57
